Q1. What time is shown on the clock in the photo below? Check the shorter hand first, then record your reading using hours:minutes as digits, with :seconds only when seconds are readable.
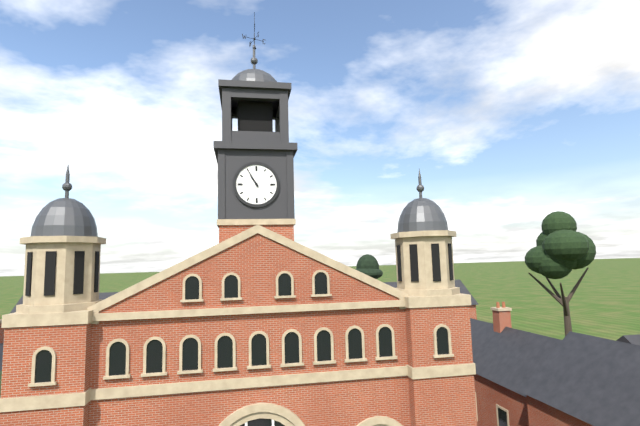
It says 10:55
